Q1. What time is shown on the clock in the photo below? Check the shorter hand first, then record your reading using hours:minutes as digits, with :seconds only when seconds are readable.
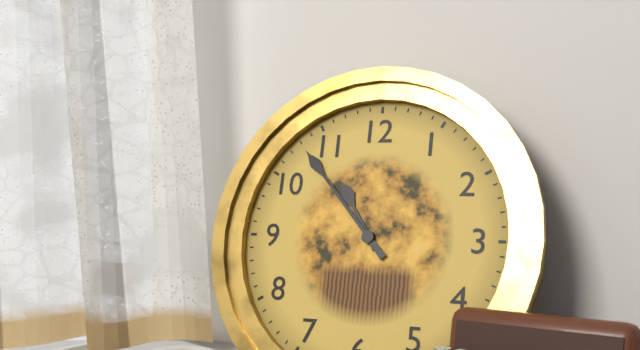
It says 10:53
